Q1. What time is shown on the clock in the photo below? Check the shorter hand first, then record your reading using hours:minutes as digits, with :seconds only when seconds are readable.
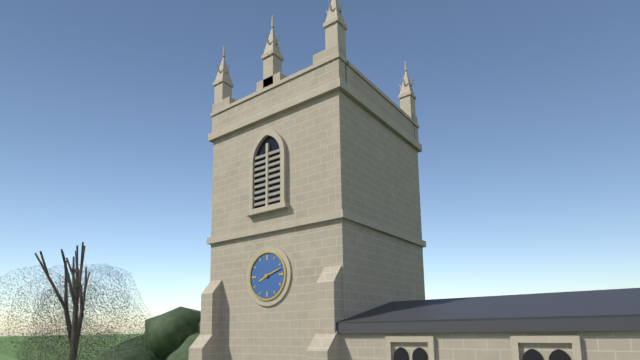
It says 8:12
